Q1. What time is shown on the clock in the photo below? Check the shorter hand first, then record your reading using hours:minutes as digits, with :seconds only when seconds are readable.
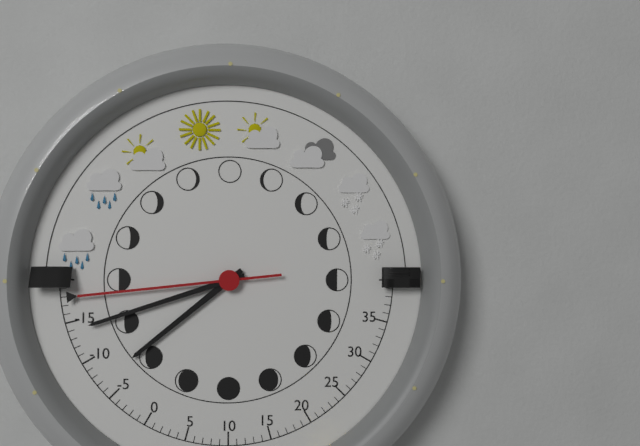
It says 7:42:44
